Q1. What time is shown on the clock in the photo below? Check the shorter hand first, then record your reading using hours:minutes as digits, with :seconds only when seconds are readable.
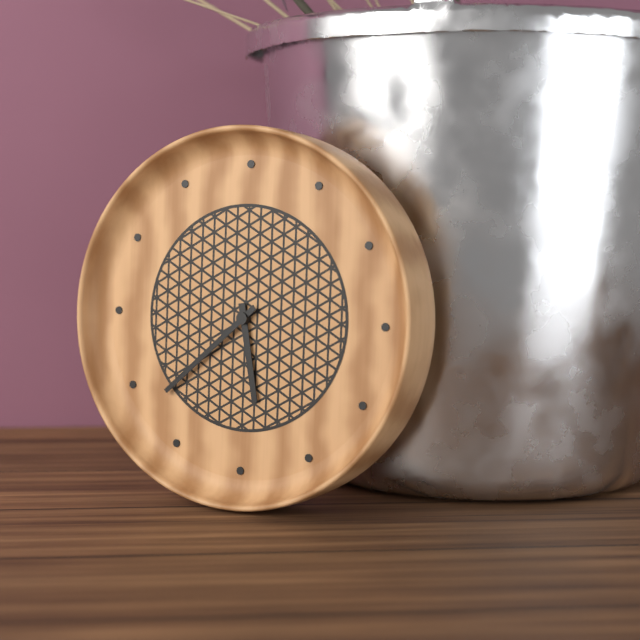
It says 5:38
